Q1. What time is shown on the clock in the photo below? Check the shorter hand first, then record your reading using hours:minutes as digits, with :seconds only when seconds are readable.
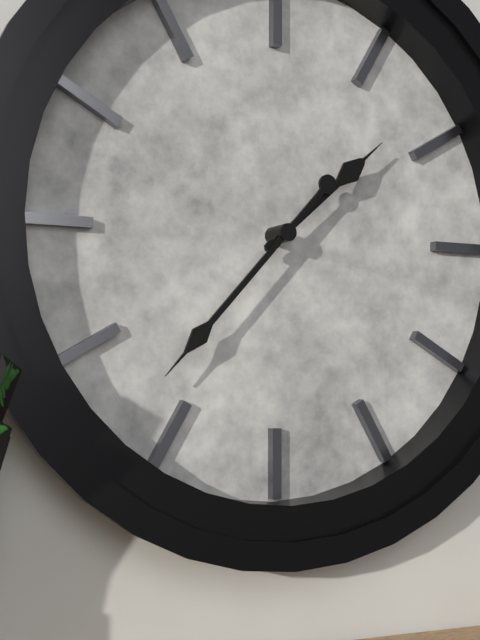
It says 1:37
